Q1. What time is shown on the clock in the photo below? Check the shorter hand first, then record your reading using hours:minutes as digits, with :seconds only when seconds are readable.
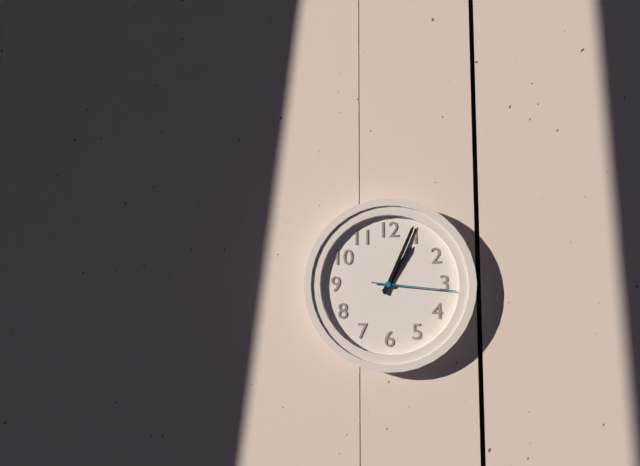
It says 1:04:16
